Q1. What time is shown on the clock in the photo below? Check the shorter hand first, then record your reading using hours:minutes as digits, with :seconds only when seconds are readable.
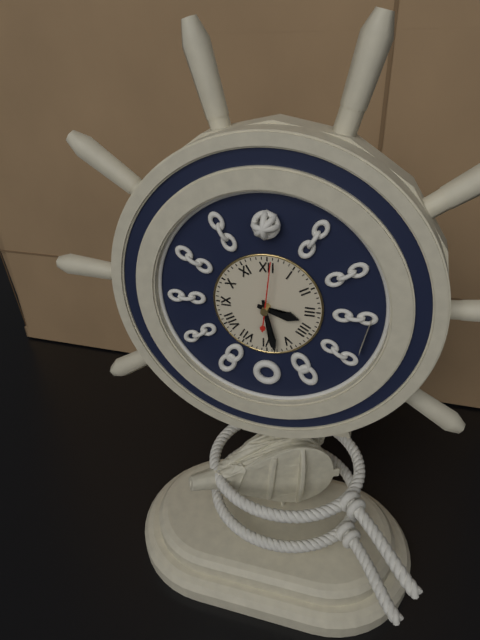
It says 3:28:01
